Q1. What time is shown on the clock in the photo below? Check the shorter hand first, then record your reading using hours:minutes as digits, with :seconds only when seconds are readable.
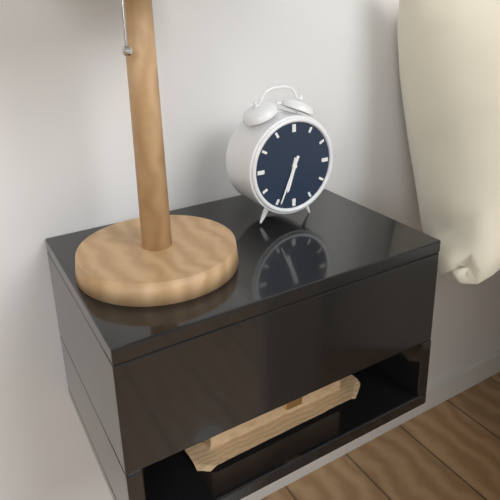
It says 6:34
